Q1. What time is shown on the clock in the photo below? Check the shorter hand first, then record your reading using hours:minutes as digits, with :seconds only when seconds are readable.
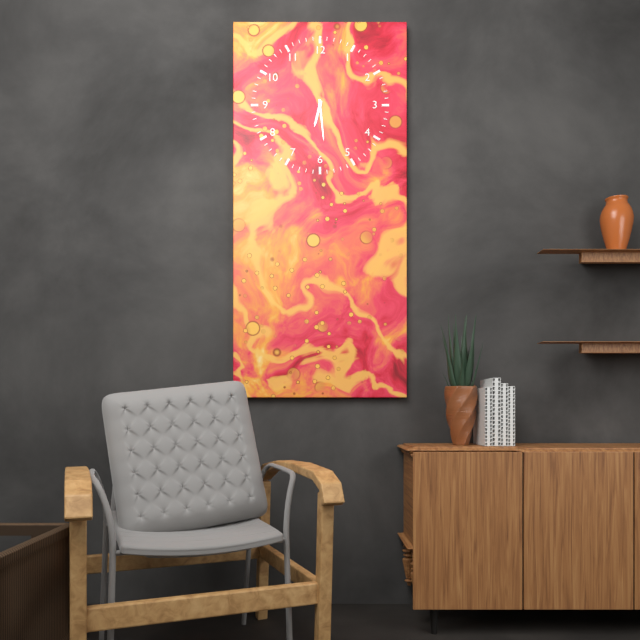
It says 6:29
